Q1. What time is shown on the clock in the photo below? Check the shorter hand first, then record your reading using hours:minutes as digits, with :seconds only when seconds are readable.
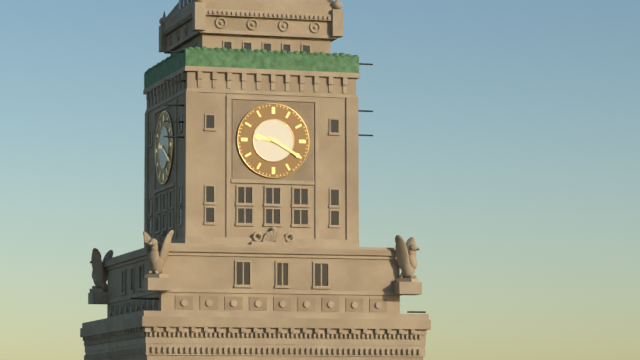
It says 9:20
